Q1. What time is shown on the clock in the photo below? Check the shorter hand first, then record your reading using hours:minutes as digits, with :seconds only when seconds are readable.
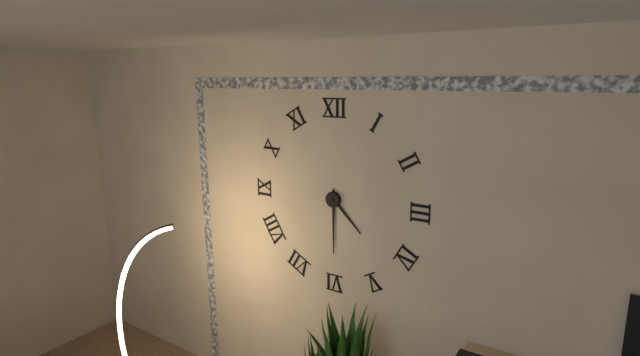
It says 4:30
